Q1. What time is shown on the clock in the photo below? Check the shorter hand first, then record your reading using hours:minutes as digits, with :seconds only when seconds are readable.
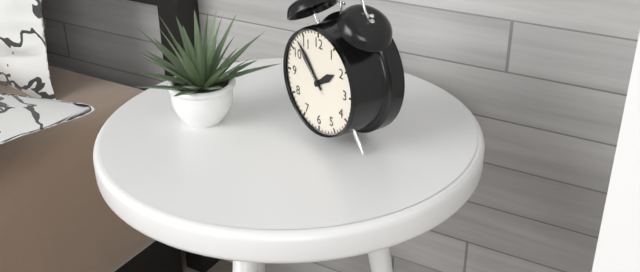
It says 1:53:53
